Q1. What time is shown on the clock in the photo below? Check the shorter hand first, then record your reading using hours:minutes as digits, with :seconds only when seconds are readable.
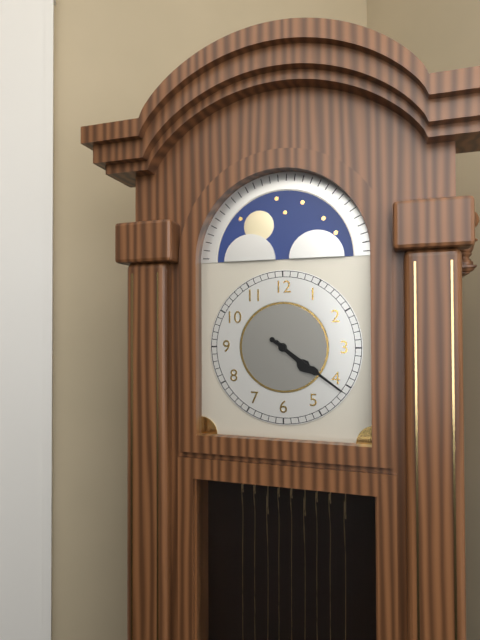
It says 4:21
